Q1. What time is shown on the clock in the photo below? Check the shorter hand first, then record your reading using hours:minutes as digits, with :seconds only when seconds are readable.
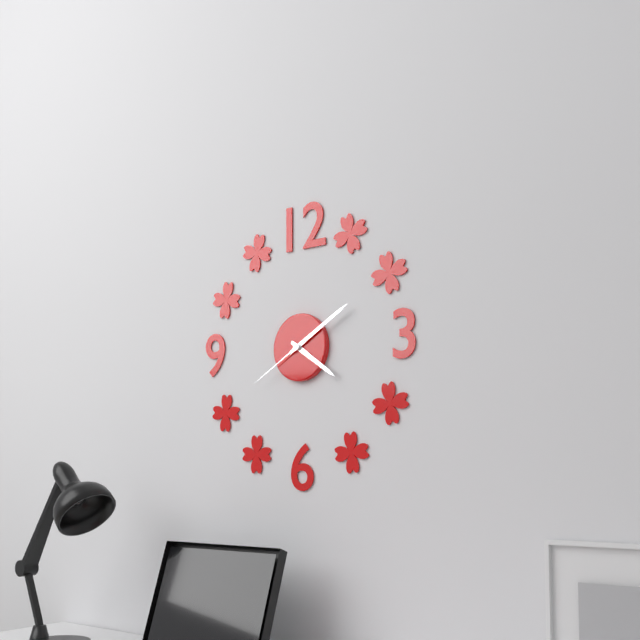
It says 4:10:40
